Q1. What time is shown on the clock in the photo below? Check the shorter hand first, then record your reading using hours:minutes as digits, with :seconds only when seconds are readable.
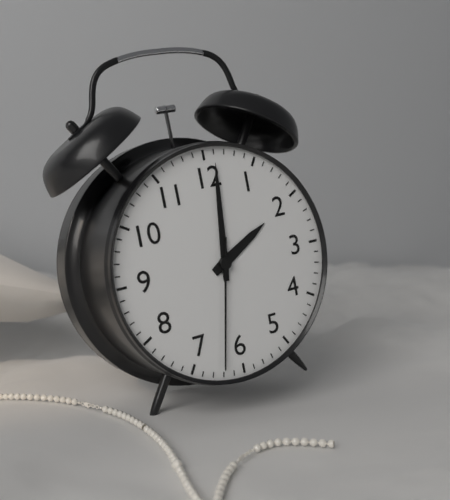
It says 2:01:32
